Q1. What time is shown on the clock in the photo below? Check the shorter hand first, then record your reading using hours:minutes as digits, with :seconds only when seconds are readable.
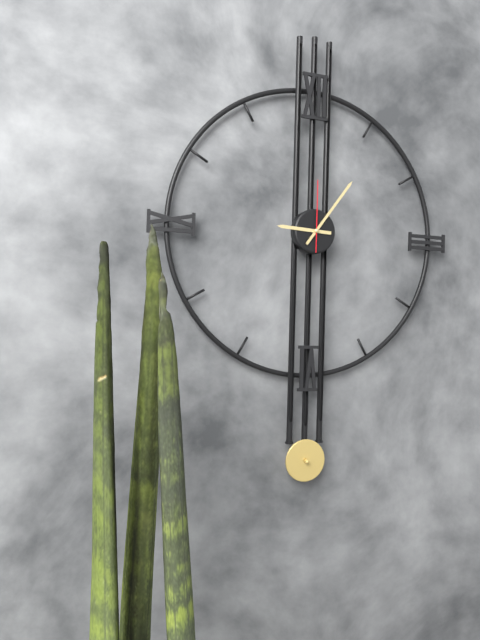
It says 9:06:00
